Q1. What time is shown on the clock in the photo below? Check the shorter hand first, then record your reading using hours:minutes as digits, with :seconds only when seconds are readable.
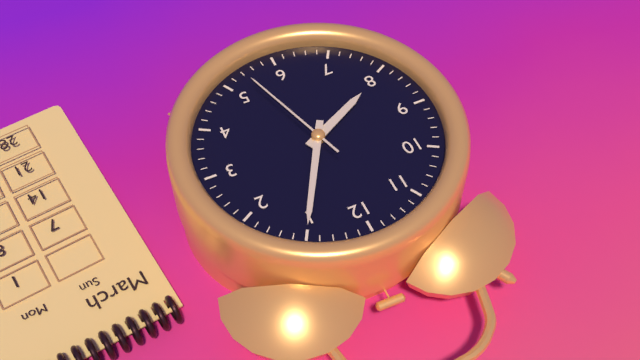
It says 8:05:27
